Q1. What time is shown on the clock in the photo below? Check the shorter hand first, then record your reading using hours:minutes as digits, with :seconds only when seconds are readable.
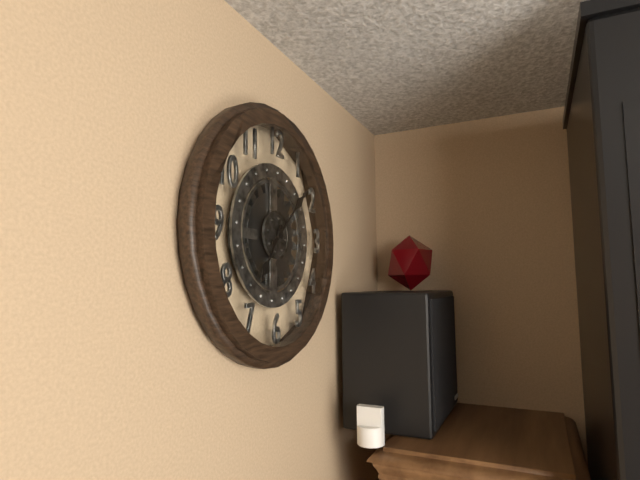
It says 7:08
